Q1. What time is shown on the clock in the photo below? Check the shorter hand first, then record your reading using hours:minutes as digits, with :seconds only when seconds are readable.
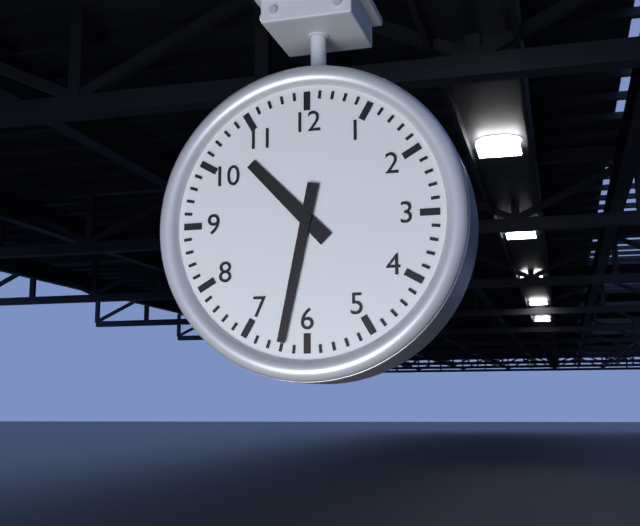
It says 10:32
